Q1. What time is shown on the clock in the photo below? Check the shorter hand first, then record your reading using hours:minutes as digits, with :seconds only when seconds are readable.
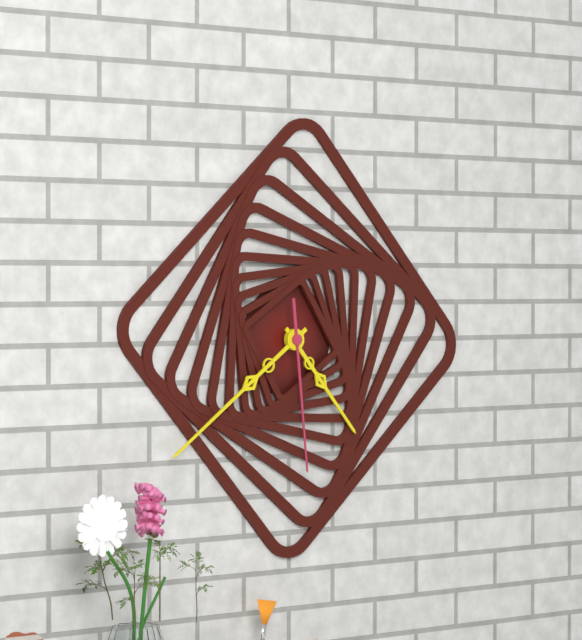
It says 4:39:29
